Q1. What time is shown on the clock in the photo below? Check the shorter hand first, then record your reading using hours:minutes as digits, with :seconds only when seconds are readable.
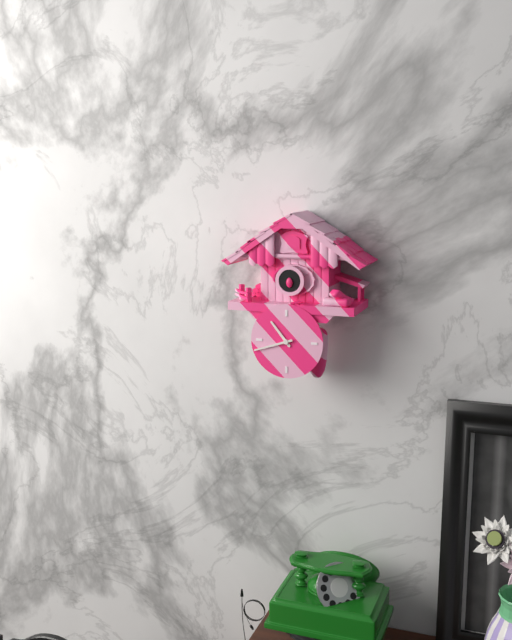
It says 10:42
